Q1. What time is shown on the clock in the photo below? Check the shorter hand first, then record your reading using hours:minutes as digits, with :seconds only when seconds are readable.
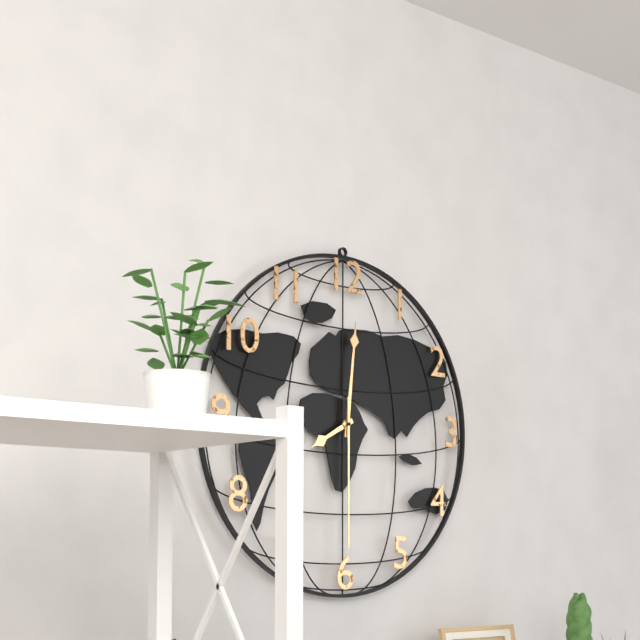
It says 8:01:30
